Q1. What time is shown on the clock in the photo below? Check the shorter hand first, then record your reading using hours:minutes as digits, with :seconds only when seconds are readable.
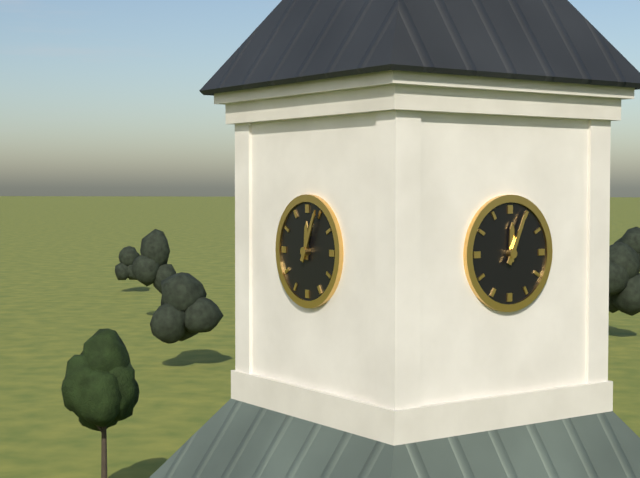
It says 12:04
